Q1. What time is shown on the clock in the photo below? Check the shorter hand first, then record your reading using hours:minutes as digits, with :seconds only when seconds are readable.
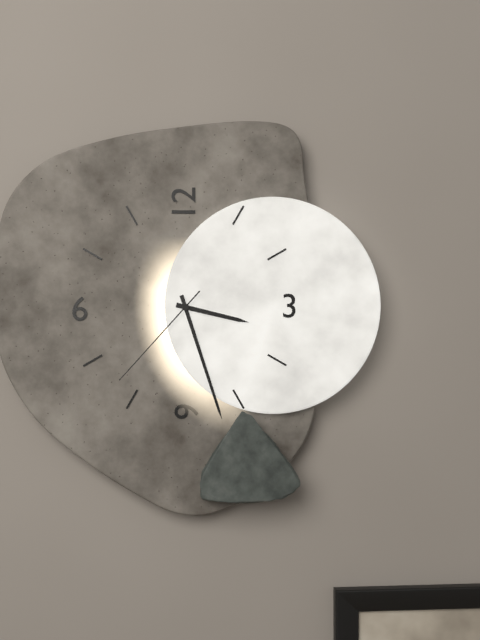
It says 3:27:37
